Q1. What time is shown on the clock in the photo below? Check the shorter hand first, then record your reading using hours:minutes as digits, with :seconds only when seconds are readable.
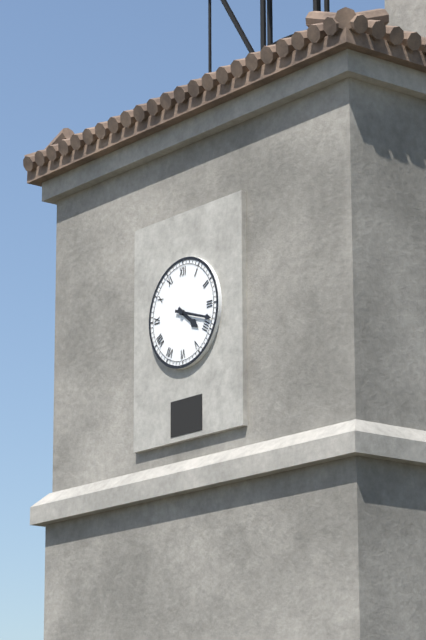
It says 4:18
